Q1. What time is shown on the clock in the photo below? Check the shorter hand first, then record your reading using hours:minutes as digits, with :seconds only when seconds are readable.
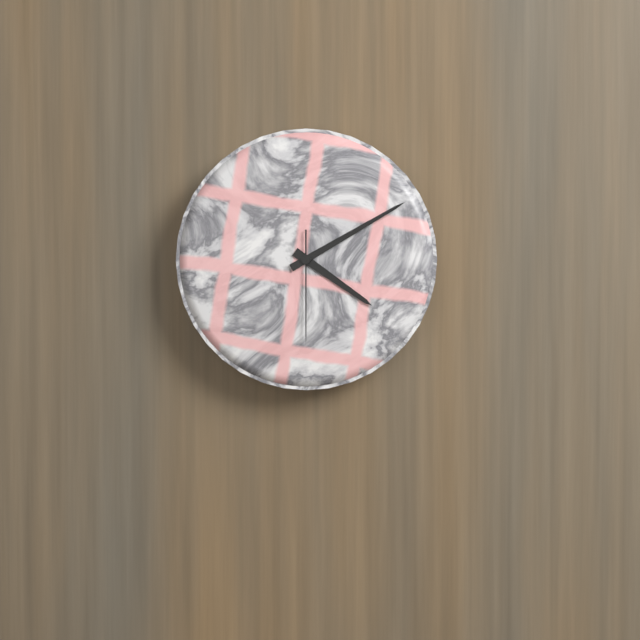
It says 4:10:30
